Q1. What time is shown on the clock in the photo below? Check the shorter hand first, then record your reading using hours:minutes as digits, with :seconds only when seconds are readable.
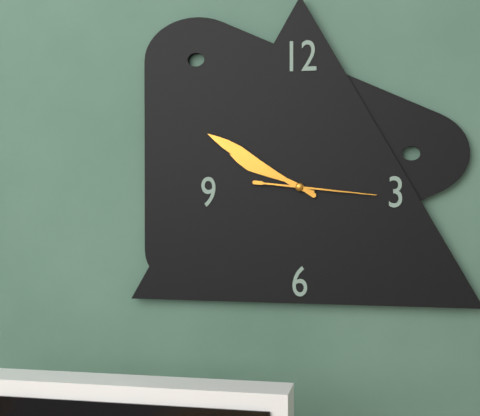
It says 9:50:16
